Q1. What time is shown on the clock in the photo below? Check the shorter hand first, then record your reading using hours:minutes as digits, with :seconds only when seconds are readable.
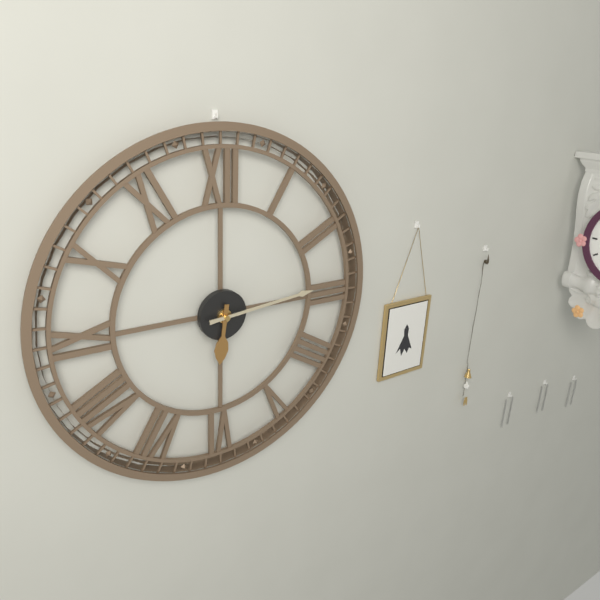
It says 6:14
